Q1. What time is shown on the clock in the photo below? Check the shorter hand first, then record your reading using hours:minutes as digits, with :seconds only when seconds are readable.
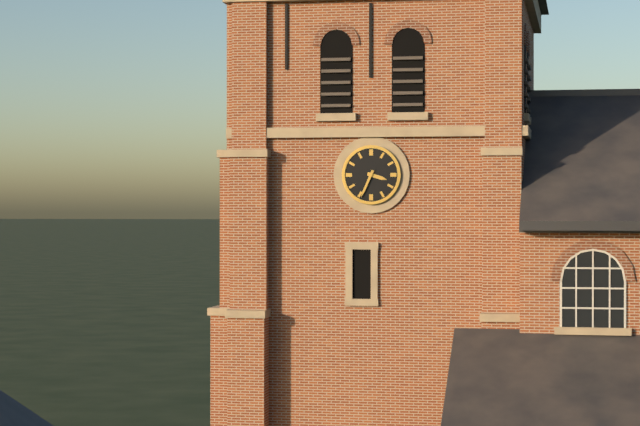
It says 3:34
